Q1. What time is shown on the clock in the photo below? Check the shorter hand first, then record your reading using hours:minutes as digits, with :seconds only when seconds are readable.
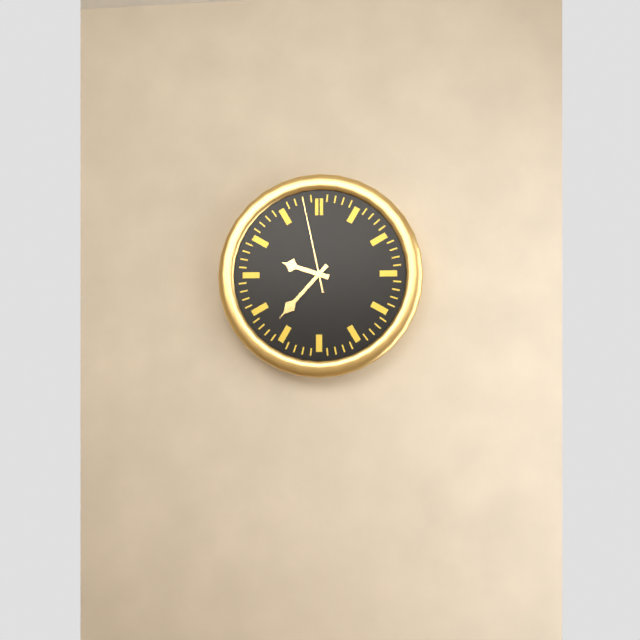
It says 9:37:58
